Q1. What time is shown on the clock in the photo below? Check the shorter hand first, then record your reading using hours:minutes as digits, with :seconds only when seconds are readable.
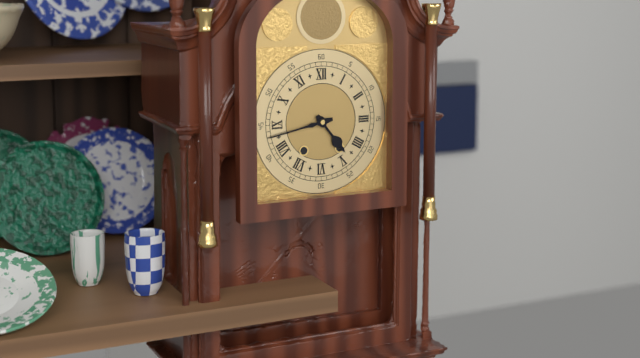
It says 4:43
